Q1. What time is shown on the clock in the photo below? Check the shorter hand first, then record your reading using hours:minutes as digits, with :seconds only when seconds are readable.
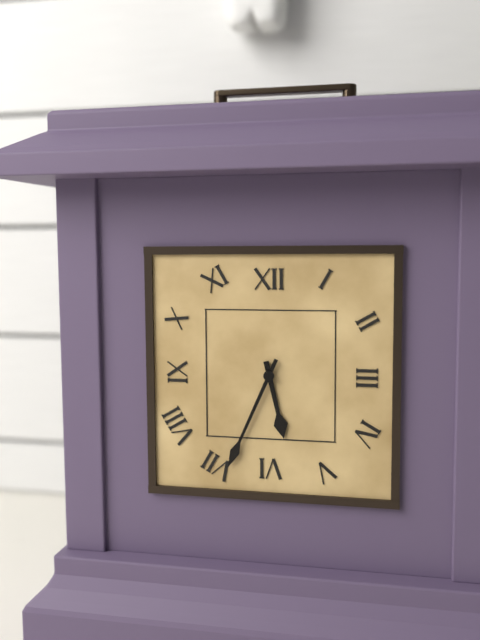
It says 5:34
